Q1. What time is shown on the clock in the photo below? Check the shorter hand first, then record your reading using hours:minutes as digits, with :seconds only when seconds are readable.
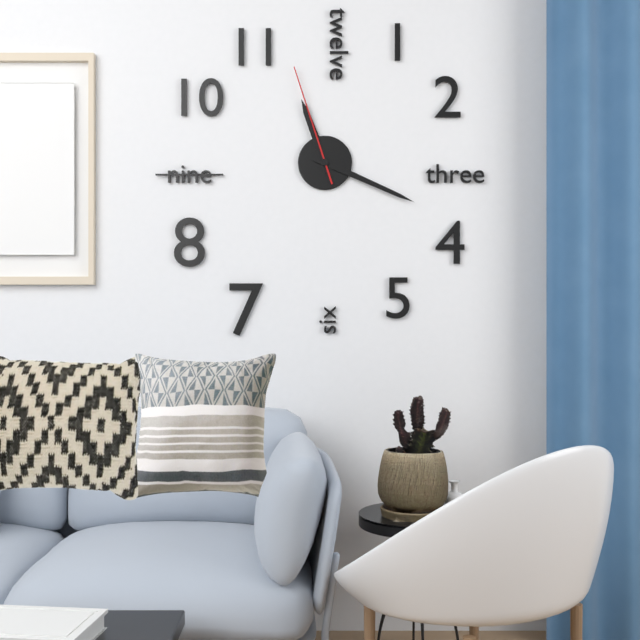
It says 11:19:57
